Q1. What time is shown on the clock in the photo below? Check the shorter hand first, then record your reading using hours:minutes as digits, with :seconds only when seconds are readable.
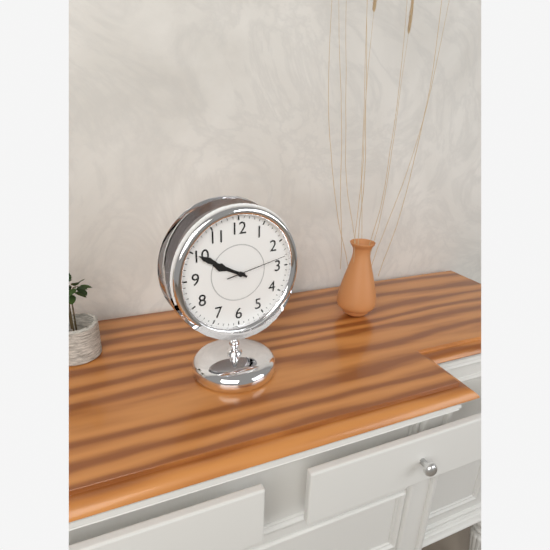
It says 9:50:13
